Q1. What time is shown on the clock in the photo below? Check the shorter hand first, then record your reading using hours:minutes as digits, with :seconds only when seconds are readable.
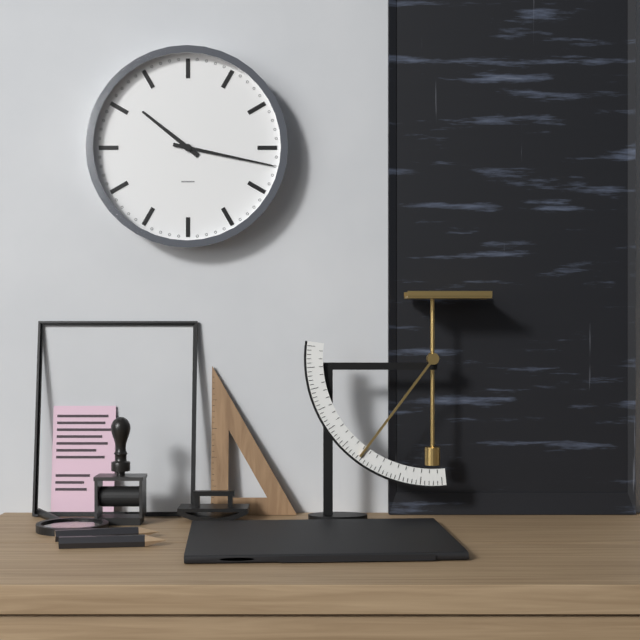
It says 10:17
